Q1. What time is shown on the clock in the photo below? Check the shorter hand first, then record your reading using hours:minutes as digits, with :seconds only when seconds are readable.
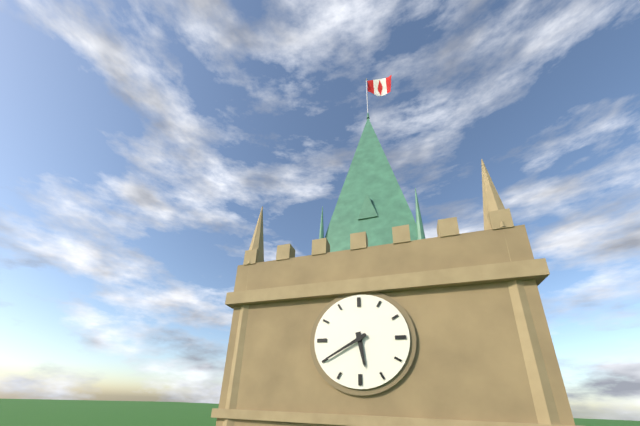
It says 5:40
